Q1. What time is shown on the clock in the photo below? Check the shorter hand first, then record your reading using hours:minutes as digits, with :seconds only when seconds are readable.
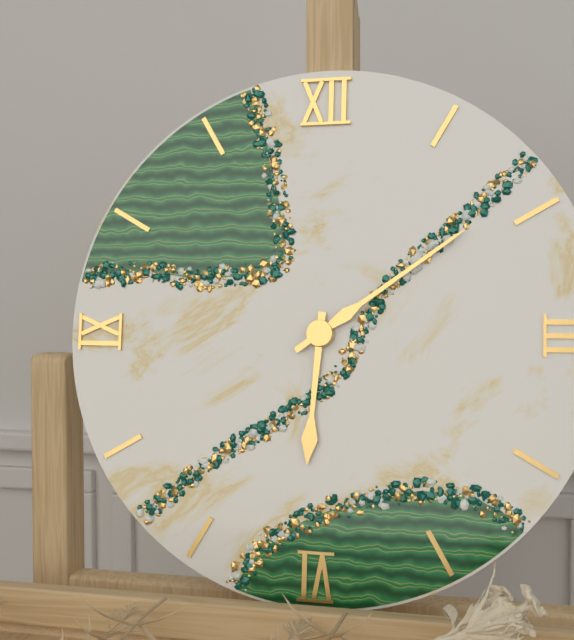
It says 6:09
